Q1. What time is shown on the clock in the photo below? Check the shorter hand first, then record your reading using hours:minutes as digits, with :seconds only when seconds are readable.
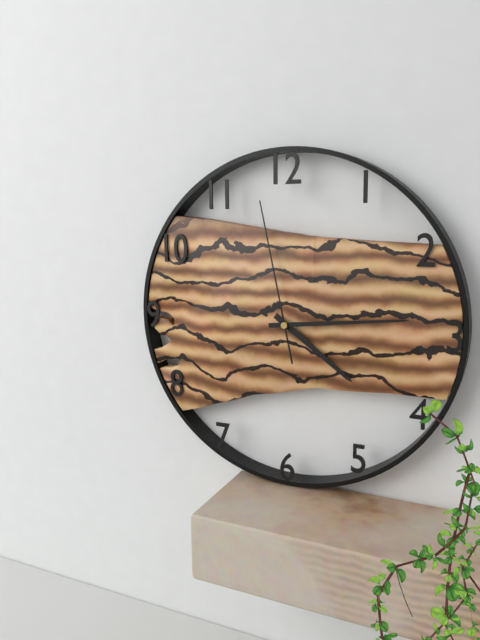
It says 4:14:58
